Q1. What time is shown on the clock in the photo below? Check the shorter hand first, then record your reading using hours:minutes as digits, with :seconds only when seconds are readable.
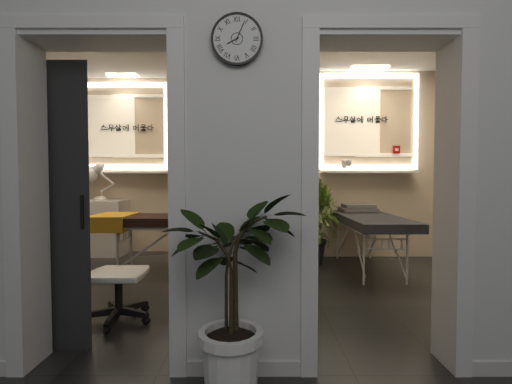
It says 8:04
